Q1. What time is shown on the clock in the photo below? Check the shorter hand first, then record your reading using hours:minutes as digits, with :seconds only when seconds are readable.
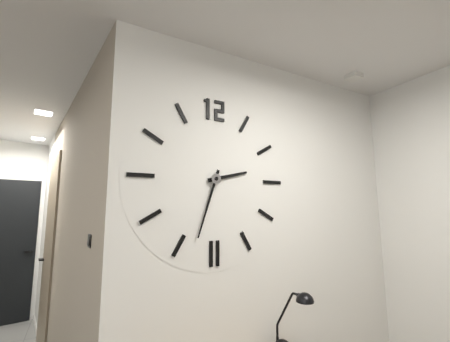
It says 2:33
